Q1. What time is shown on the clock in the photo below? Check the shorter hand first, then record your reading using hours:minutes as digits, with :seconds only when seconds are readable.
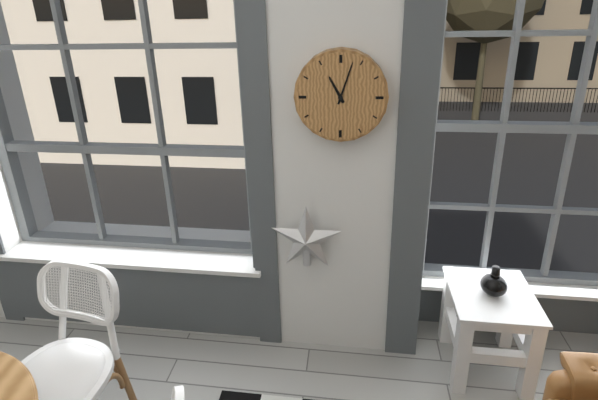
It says 11:03
